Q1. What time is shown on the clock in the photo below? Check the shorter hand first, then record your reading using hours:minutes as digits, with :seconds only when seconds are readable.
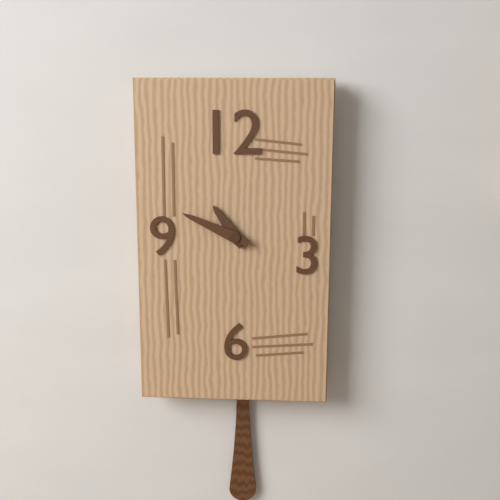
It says 10:49
